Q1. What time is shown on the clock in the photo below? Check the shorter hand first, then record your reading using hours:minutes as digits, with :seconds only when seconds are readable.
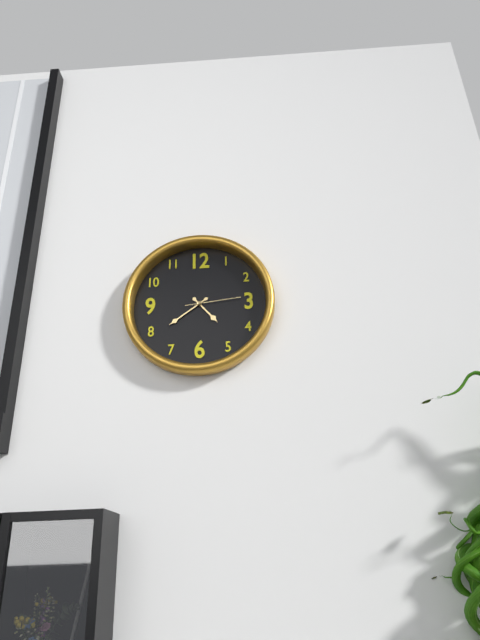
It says 4:39:14
